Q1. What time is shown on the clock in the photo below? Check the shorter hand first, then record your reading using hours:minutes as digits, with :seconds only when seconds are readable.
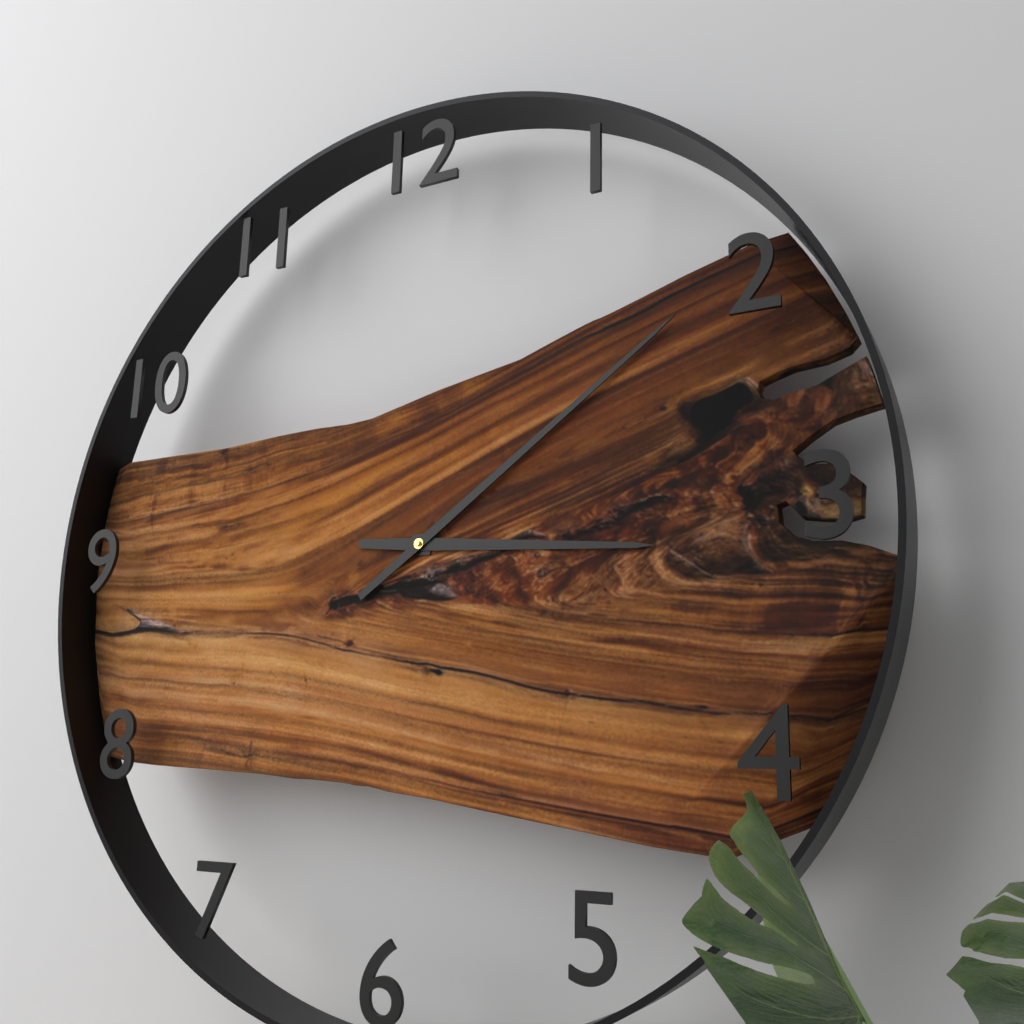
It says 3:09
